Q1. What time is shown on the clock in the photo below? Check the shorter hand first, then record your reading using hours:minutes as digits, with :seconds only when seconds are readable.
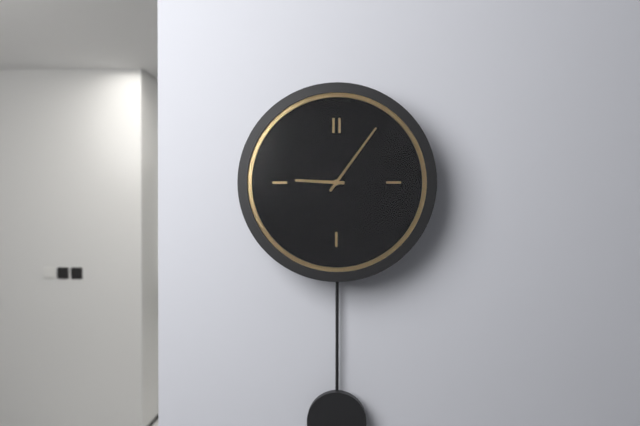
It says 9:06
